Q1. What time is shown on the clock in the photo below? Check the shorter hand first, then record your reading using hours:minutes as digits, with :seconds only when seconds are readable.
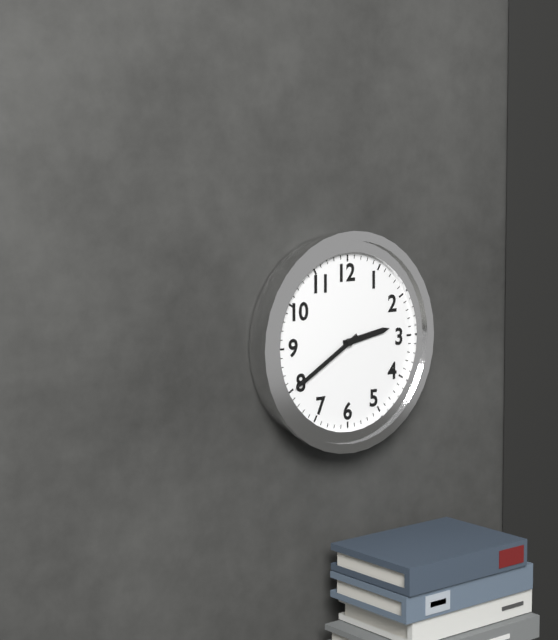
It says 2:40
